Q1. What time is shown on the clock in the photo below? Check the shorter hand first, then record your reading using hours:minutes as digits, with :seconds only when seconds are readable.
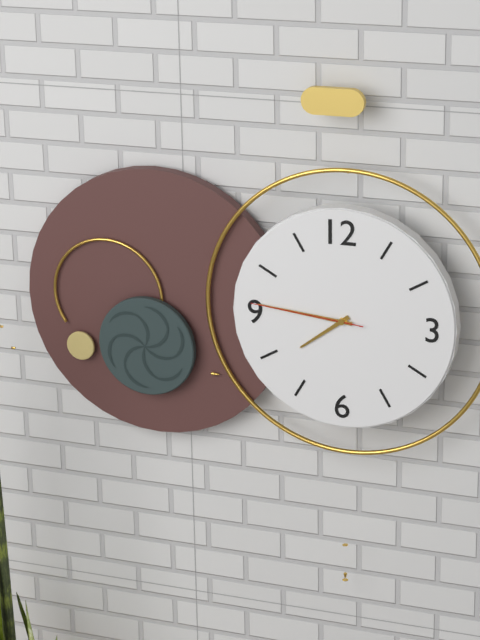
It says 7:46:46
